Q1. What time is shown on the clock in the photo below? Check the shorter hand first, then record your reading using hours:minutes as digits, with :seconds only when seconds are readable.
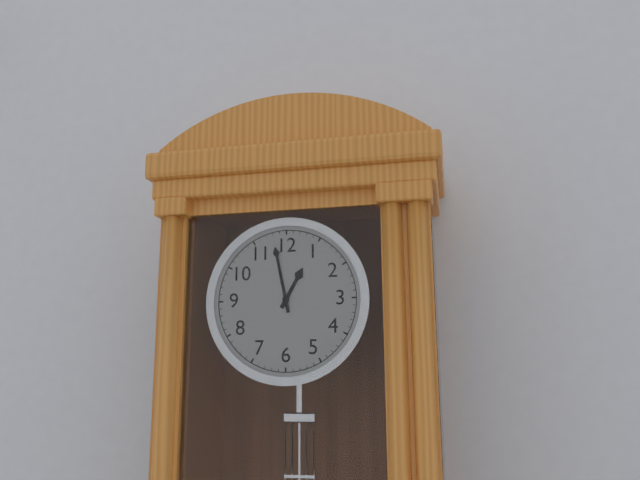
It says 12:58
